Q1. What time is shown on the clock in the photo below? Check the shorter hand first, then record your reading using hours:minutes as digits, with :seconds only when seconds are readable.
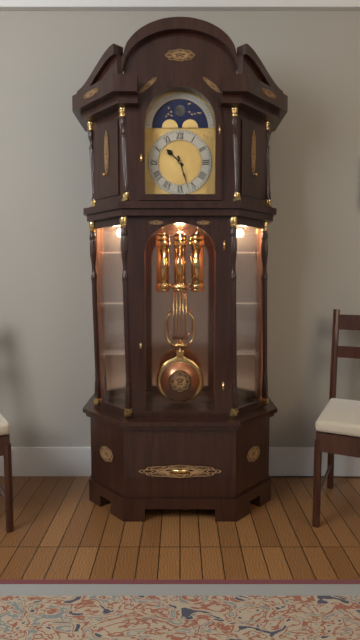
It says 10:27
